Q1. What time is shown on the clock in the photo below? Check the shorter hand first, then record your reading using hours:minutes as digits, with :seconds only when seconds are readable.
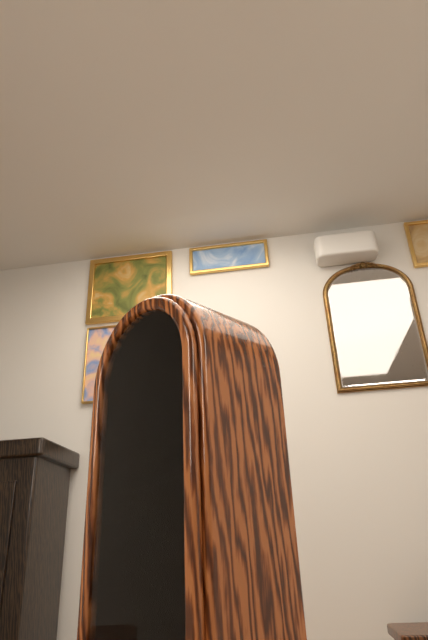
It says 8:38
